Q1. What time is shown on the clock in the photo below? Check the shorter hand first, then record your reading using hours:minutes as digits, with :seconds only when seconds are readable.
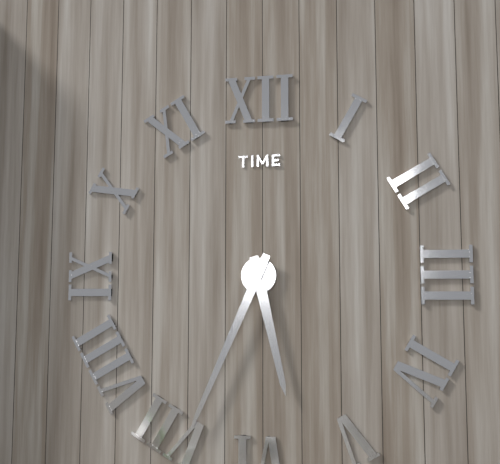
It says 5:34
